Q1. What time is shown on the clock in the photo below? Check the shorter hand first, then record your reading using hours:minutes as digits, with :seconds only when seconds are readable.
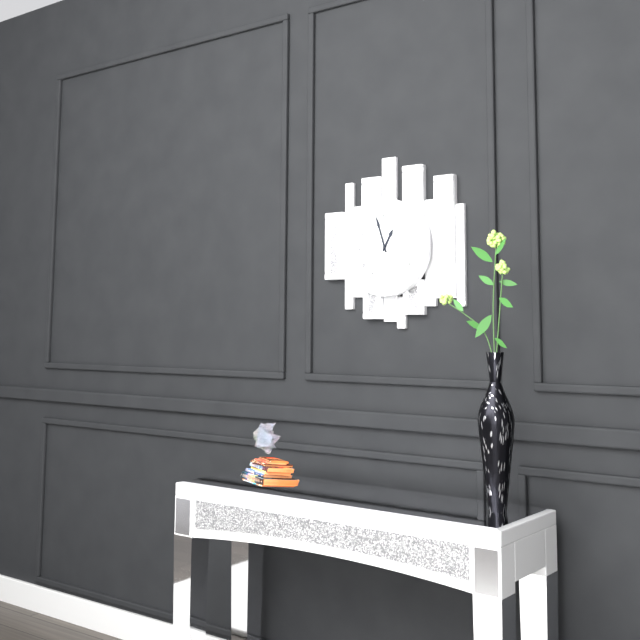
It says 12:57
